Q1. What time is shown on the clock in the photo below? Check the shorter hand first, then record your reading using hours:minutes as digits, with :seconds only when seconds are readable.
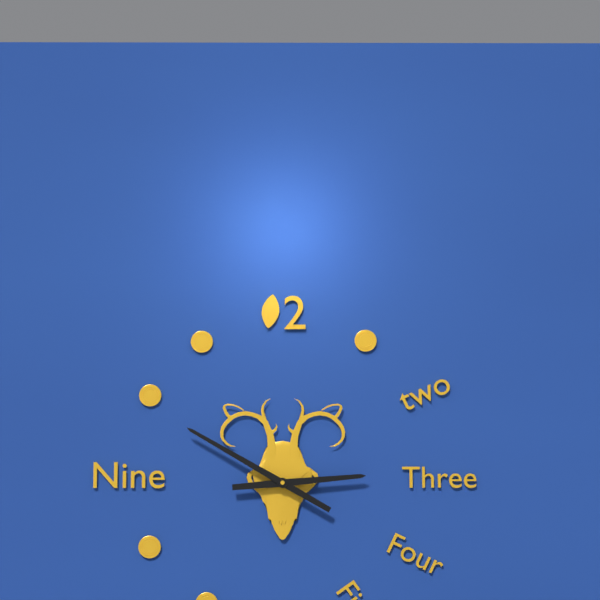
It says 2:50
